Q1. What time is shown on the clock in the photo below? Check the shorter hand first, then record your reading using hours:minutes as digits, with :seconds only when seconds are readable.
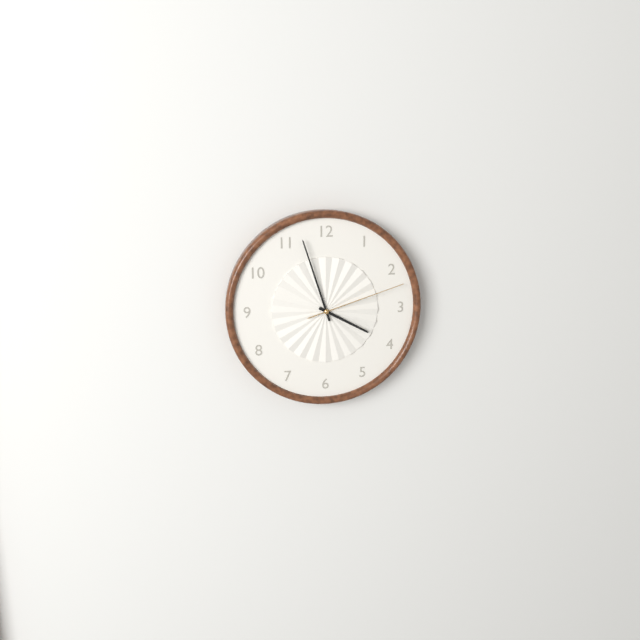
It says 3:57:12
